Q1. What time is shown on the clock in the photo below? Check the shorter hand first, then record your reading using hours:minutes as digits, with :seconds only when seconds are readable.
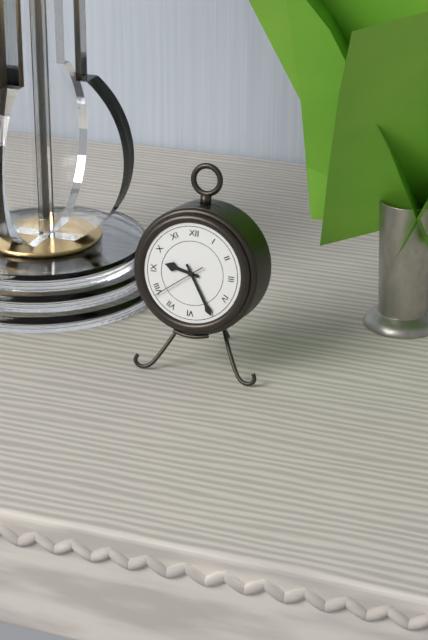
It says 9:25:39
